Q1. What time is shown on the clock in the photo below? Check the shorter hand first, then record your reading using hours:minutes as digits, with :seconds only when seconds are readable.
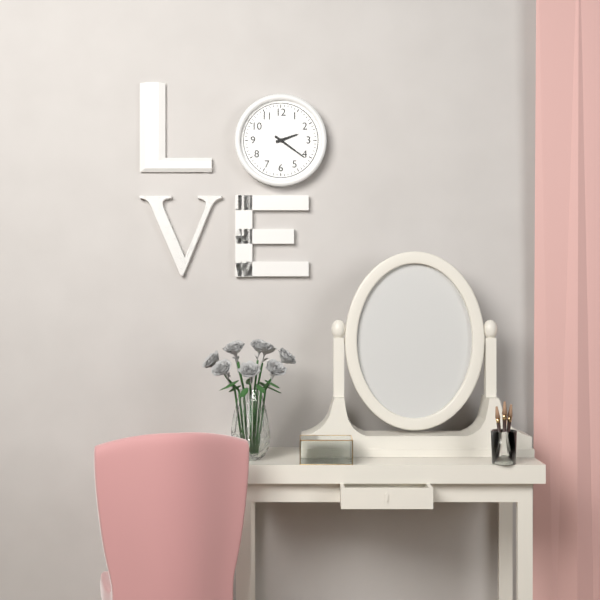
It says 2:21
